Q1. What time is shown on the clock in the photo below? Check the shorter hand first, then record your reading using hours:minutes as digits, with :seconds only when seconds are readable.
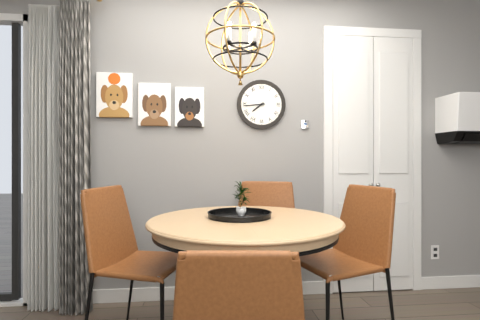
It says 7:44
